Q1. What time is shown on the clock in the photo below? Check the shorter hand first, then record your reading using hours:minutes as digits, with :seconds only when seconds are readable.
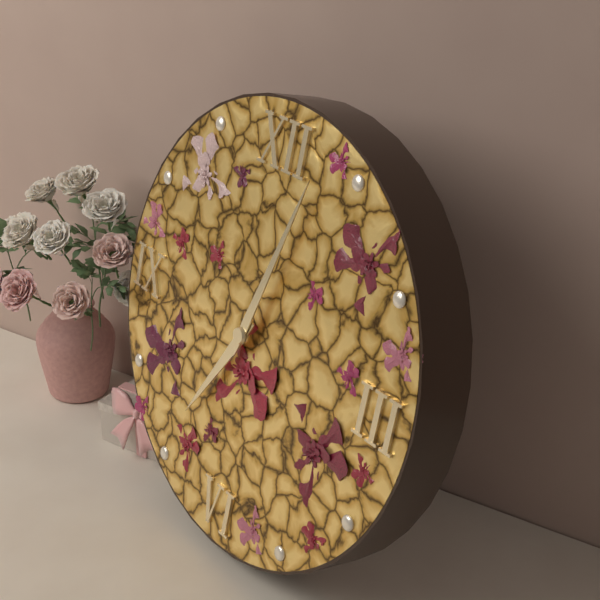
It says 7:03
